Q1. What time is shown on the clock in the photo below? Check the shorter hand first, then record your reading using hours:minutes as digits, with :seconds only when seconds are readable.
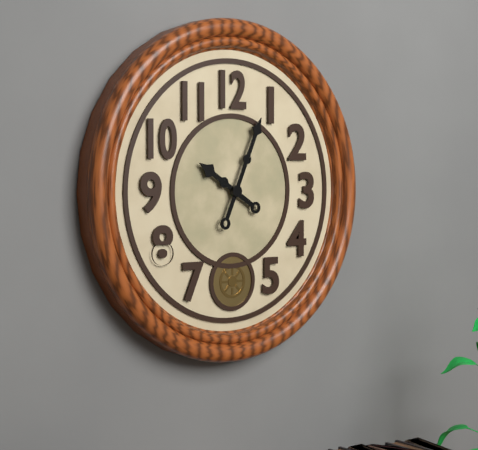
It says 10:04
